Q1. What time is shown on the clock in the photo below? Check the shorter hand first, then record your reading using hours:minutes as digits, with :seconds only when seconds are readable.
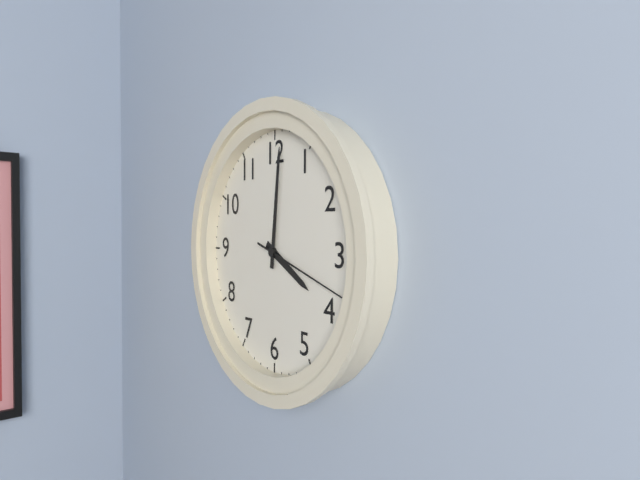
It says 4:01:18
